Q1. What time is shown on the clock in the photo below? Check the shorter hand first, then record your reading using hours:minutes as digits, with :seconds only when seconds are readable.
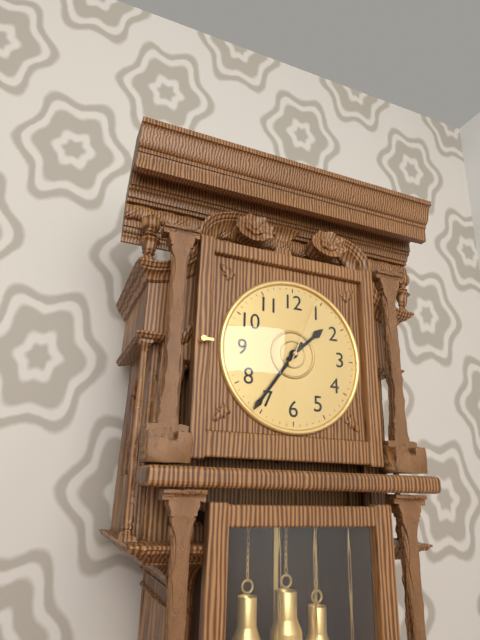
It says 1:36:04
